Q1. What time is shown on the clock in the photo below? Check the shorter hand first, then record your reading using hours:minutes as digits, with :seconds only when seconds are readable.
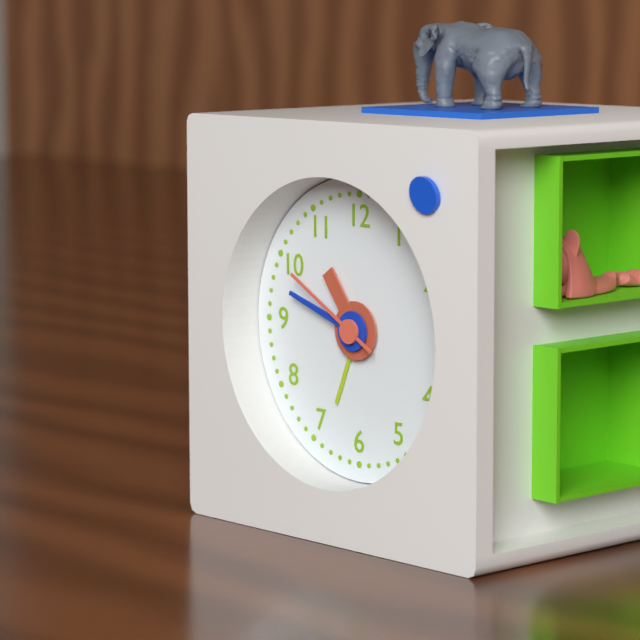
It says 10:48:50
